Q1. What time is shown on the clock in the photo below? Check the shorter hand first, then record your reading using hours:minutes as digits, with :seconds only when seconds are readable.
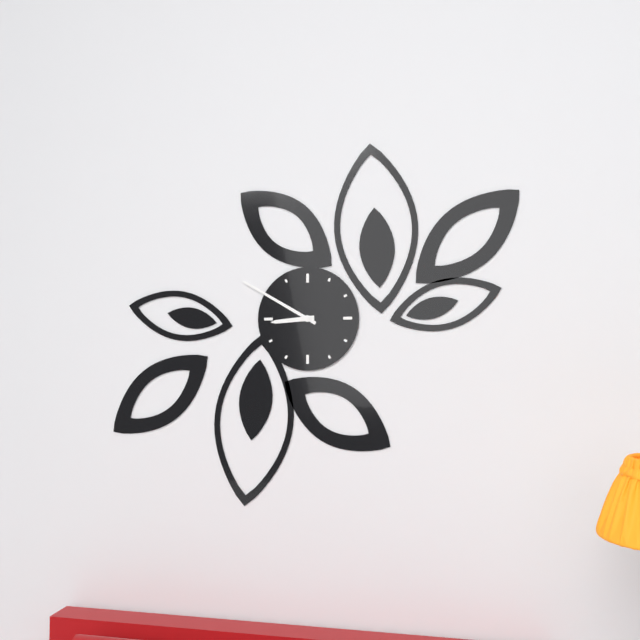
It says 8:50
